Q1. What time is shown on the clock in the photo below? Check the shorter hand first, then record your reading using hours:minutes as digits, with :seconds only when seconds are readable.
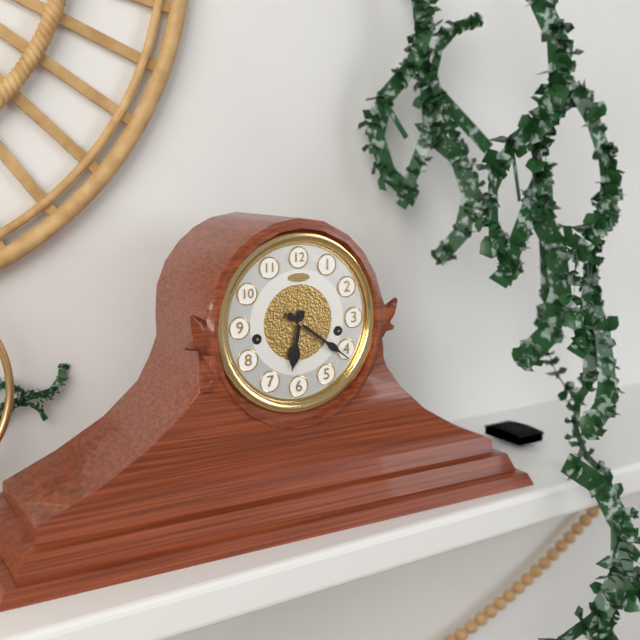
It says 6:21
